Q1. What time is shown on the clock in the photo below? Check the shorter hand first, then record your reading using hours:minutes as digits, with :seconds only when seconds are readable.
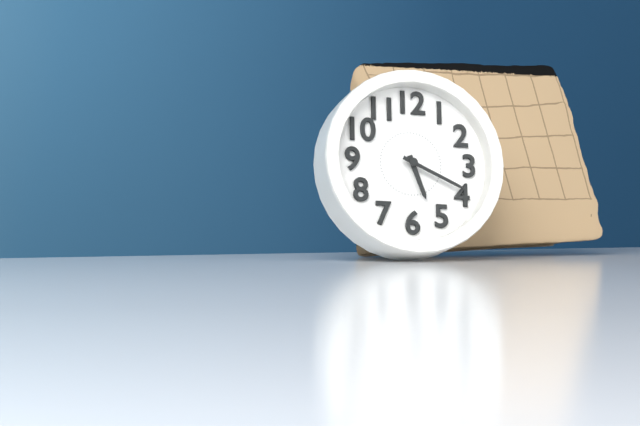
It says 5:19
